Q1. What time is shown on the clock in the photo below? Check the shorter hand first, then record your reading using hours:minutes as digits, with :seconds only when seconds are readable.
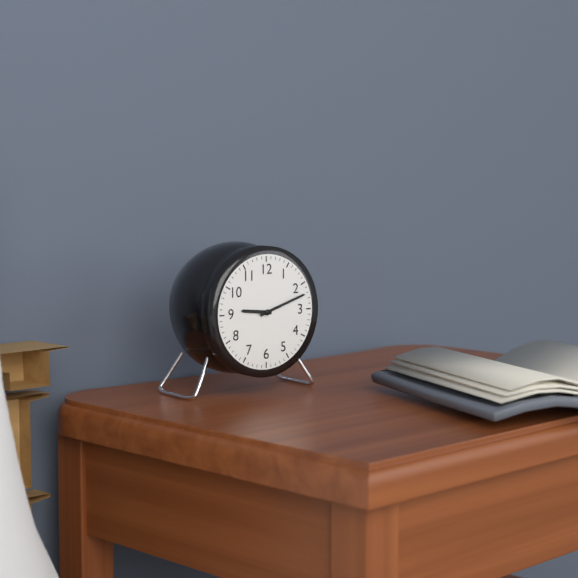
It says 9:12
